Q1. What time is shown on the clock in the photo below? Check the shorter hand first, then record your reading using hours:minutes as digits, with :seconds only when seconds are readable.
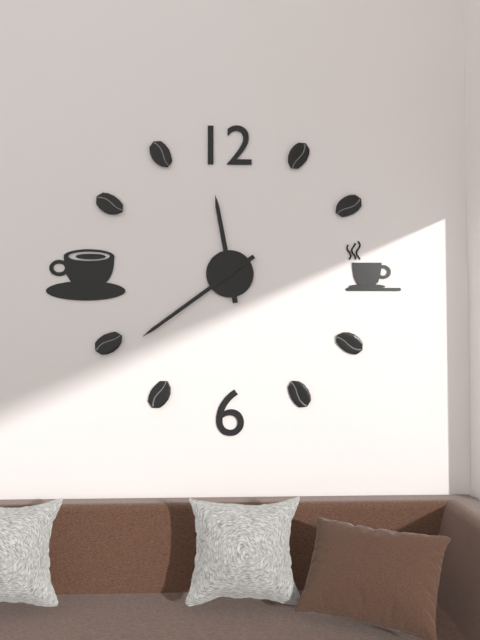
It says 11:39
